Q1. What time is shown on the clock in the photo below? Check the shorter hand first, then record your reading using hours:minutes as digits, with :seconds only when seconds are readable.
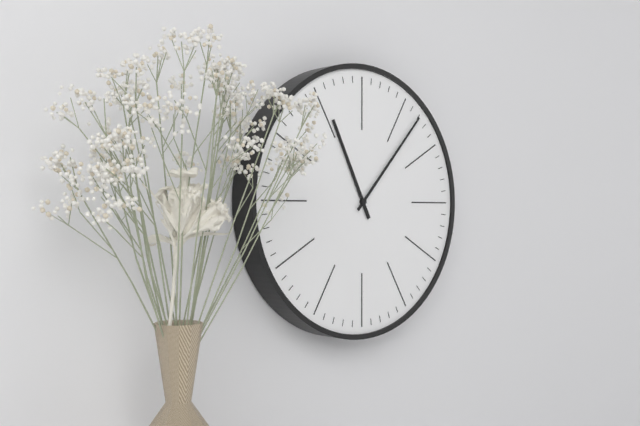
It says 11:07
